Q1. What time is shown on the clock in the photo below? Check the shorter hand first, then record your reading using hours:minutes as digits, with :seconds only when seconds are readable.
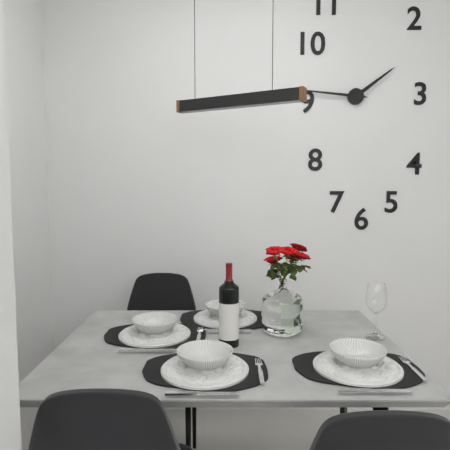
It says 1:46
